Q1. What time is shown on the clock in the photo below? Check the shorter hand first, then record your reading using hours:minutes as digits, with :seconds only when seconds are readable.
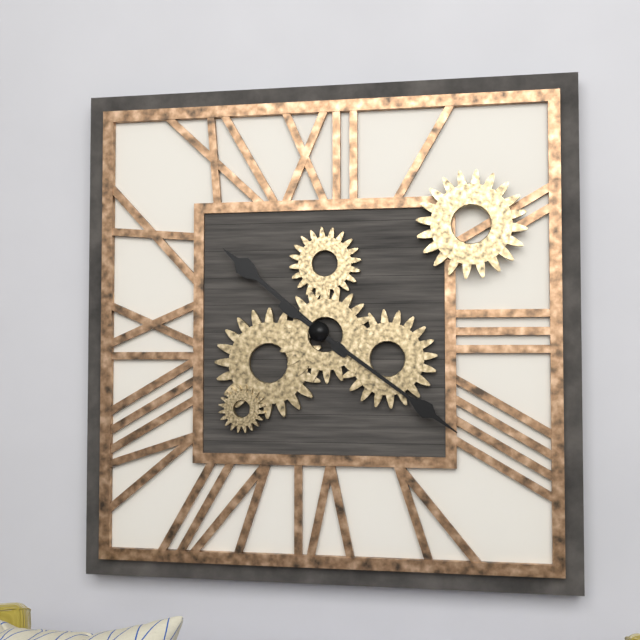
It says 10:21
